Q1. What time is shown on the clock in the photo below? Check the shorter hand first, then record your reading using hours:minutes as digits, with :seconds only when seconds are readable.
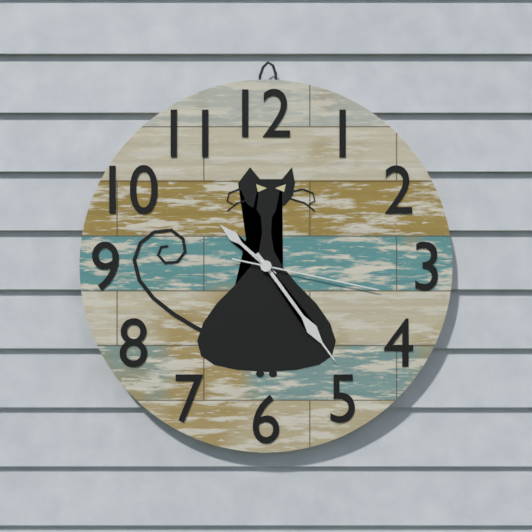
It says 10:24:17
